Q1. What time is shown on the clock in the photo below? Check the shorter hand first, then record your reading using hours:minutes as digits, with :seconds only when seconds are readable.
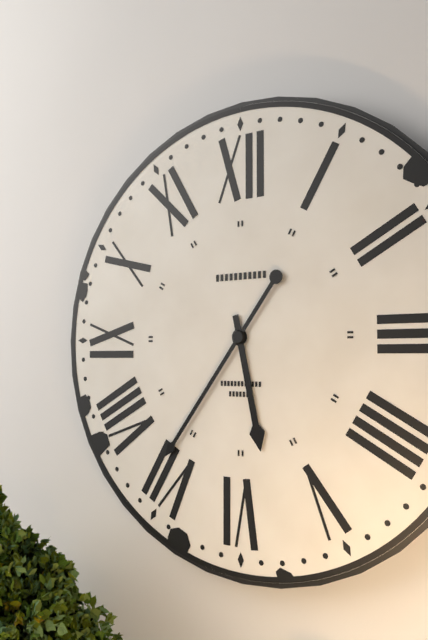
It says 5:36
